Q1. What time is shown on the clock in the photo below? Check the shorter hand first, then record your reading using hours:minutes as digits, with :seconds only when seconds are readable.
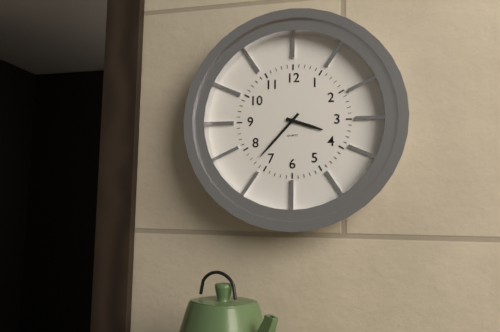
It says 3:37
